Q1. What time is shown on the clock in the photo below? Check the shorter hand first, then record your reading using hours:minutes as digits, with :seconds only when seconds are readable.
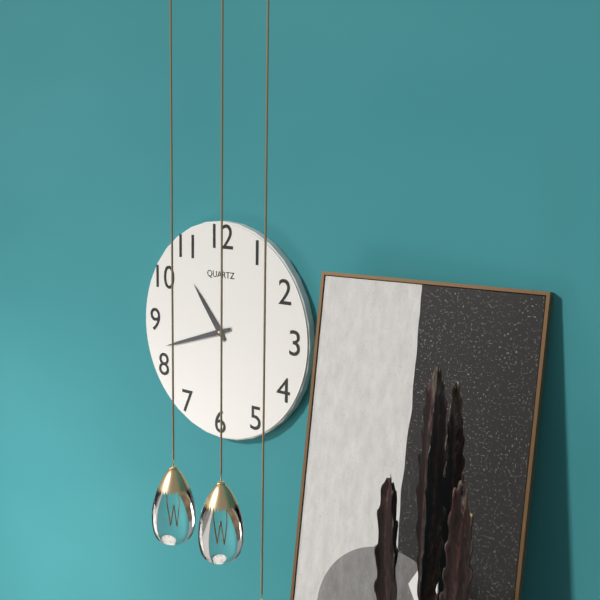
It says 10:42
